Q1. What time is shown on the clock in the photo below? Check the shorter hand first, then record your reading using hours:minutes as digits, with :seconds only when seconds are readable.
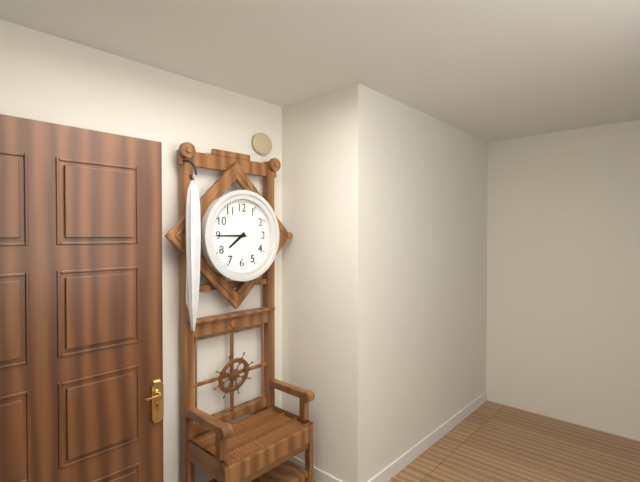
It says 7:45
